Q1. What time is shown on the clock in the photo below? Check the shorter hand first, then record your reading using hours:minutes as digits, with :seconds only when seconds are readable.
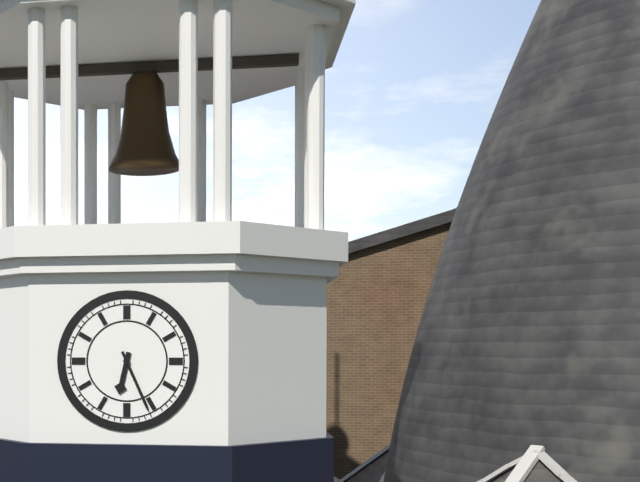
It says 6:26
